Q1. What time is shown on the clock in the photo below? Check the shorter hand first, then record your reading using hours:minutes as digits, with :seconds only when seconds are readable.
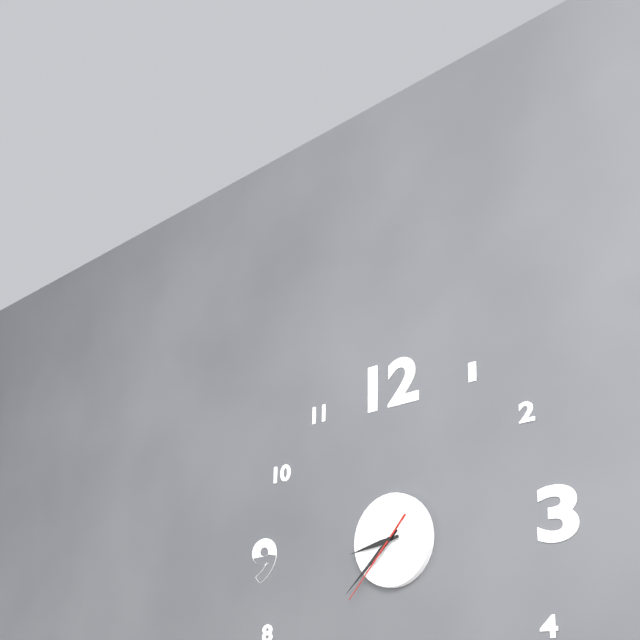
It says 8:38:37
